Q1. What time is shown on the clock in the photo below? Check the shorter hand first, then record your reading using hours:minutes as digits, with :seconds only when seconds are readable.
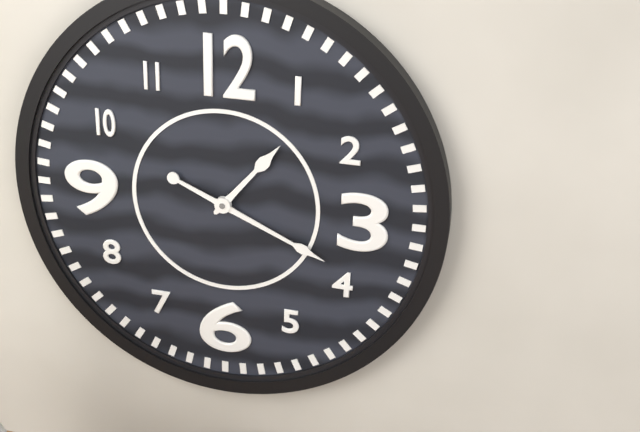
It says 1:19
